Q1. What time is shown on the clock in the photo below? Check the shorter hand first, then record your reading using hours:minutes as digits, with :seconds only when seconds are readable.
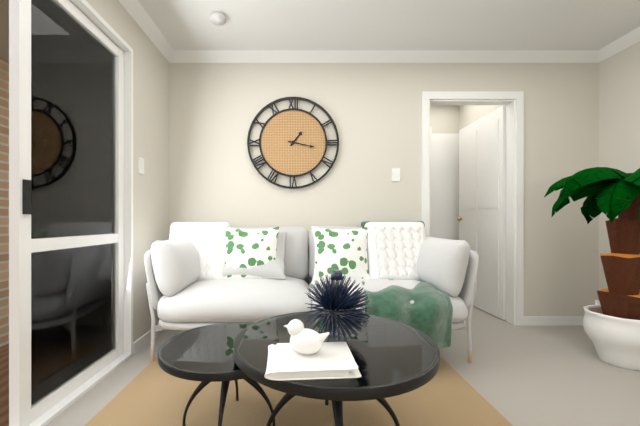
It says 1:17
